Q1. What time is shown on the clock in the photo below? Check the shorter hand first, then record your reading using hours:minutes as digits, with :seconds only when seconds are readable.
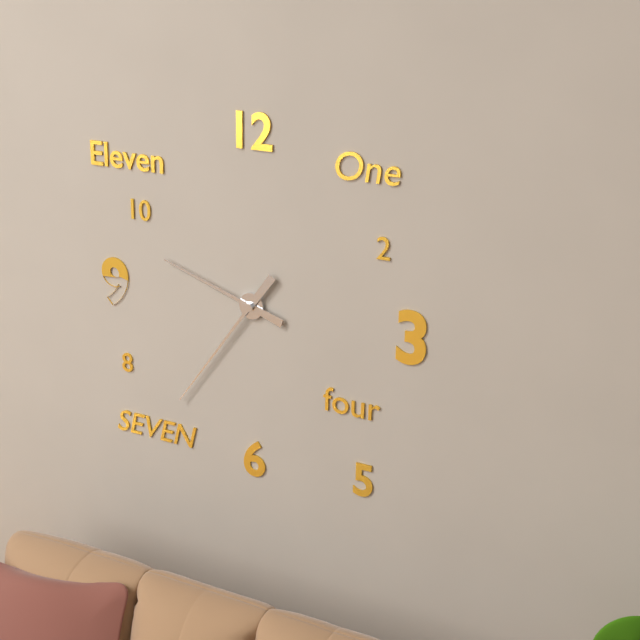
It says 9:36
